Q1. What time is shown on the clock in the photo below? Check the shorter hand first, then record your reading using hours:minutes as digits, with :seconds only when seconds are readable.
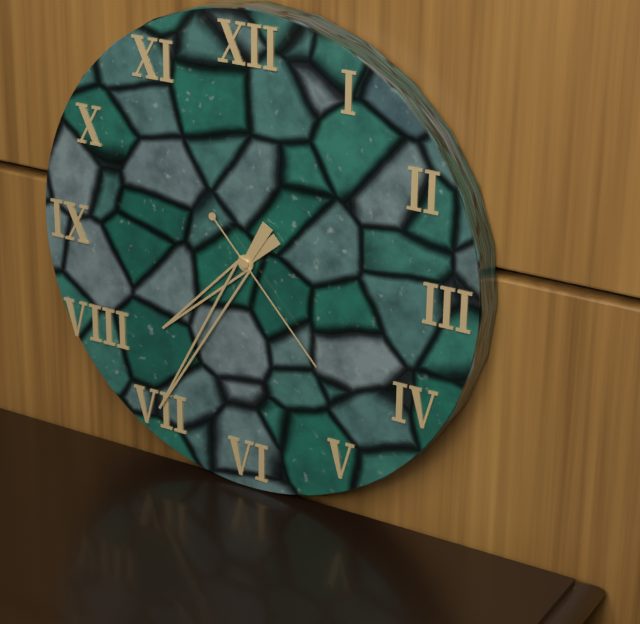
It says 7:35:23
